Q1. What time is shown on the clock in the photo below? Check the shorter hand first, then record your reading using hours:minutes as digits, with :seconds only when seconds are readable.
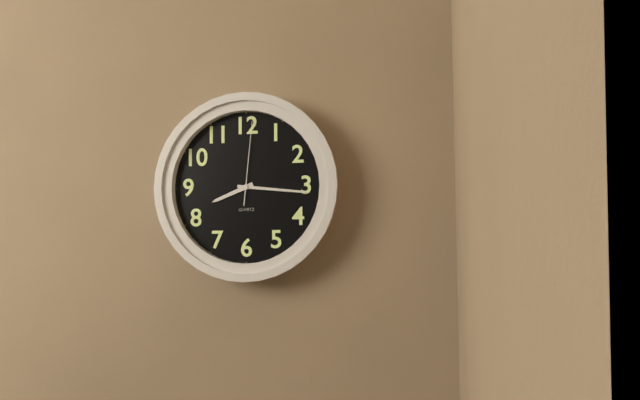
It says 8:16:01
